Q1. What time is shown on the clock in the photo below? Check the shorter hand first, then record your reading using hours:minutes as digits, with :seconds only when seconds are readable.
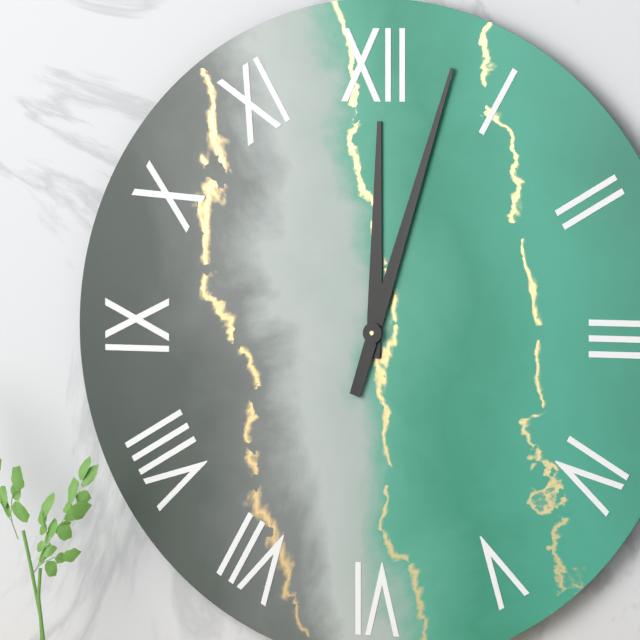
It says 12:03
